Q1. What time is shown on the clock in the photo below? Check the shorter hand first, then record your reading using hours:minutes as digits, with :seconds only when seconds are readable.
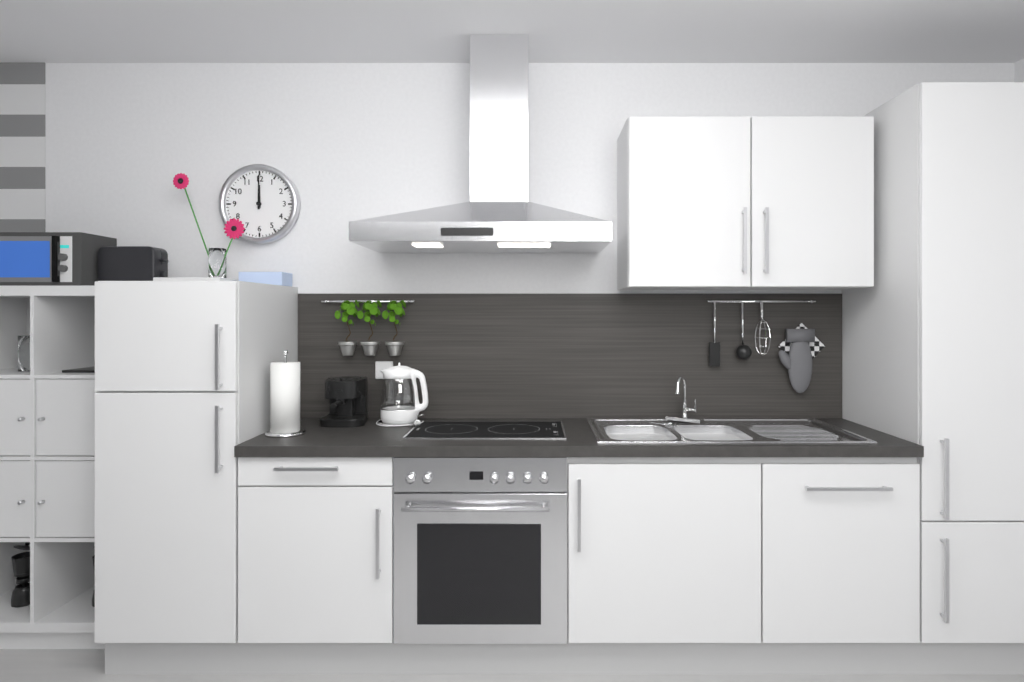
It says 12:00
